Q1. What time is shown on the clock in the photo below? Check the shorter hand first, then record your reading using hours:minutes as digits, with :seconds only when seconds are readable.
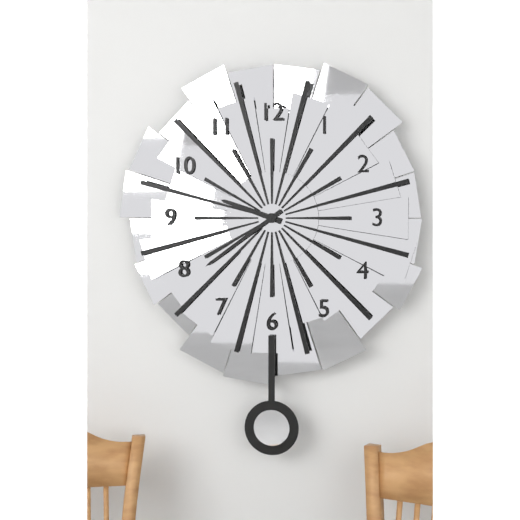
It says 9:39
